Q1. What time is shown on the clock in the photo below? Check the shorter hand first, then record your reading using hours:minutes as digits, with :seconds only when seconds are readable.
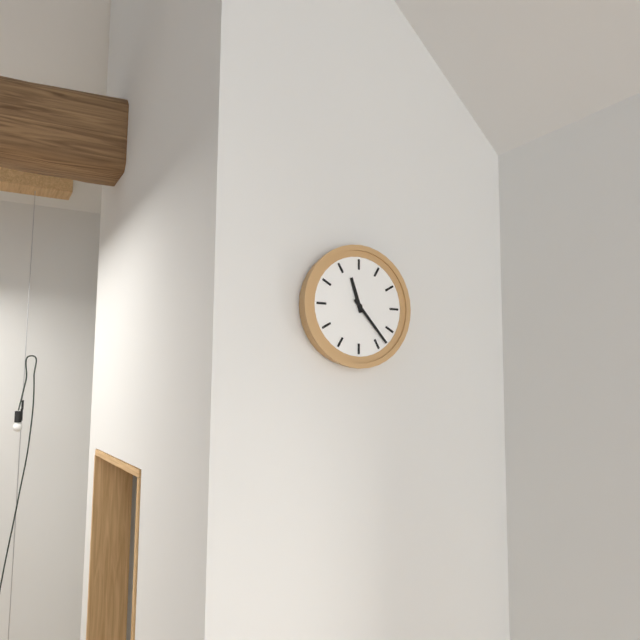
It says 11:23
